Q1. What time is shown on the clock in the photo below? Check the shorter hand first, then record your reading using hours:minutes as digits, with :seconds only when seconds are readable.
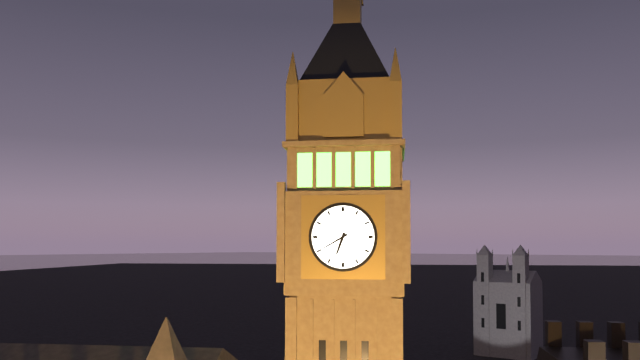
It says 6:40
